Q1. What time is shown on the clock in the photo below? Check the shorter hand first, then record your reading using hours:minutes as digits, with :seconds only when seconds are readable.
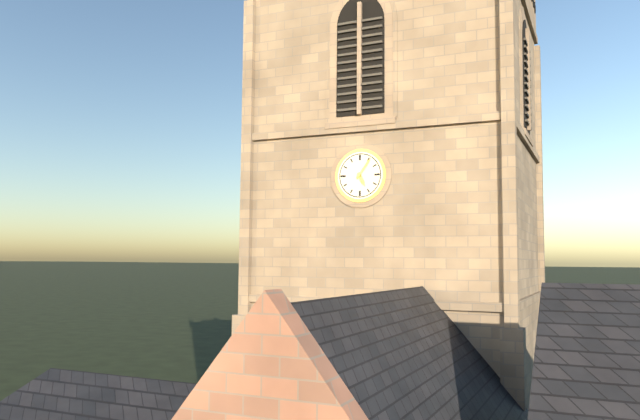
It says 5:06
